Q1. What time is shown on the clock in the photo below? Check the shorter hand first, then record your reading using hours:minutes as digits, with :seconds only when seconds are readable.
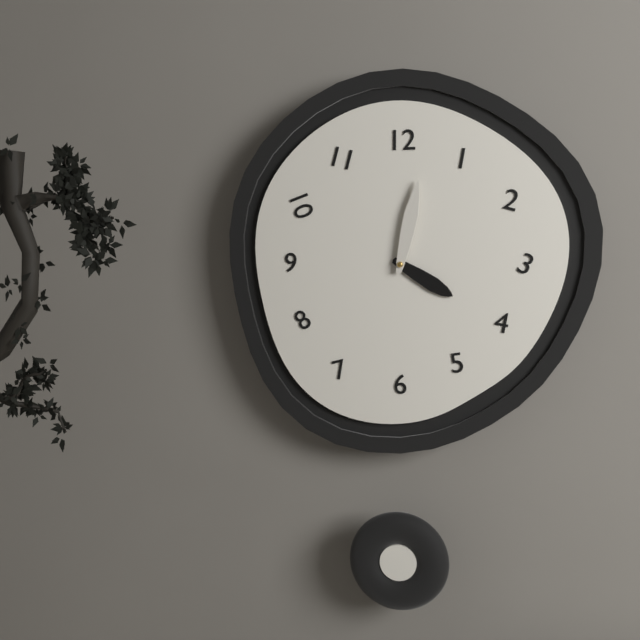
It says 4:02
